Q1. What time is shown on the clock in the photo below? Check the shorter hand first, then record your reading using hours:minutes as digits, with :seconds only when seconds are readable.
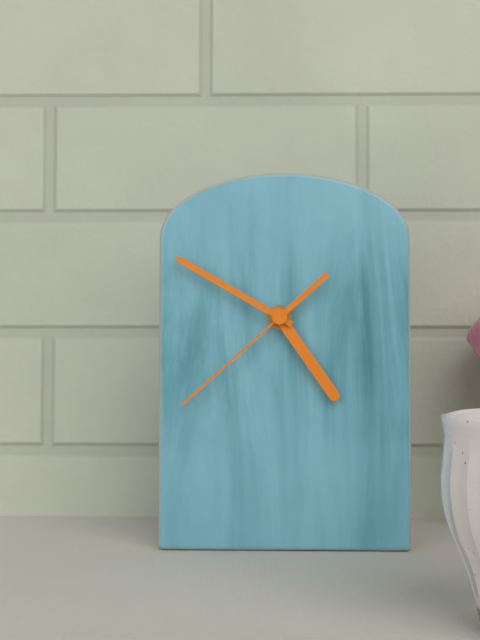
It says 4:50:38
